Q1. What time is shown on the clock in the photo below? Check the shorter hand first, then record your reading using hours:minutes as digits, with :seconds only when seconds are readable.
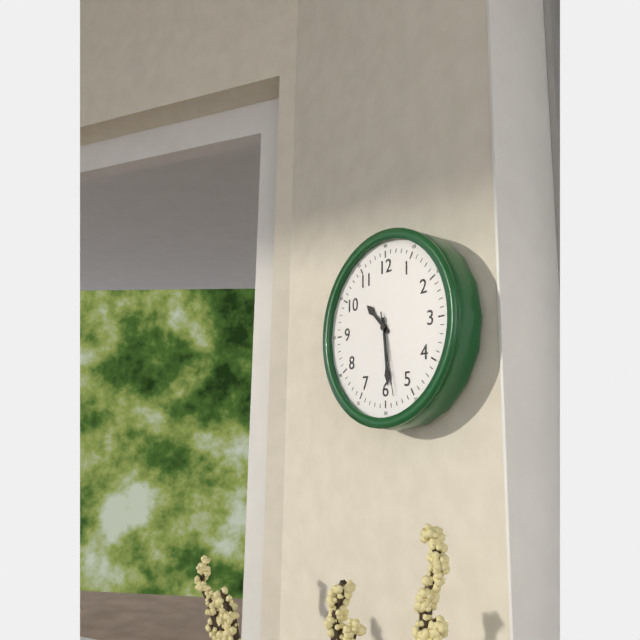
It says 10:29:28
